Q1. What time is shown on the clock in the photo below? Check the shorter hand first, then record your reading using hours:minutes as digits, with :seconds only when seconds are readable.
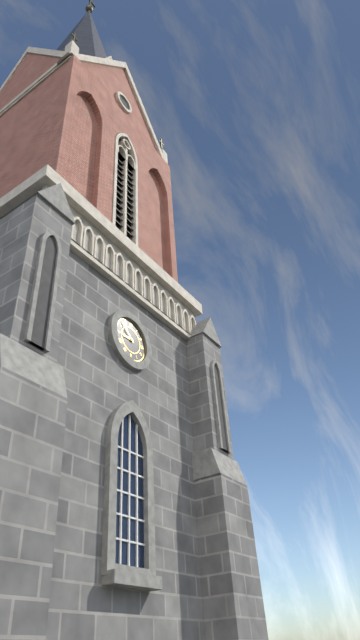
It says 8:52
